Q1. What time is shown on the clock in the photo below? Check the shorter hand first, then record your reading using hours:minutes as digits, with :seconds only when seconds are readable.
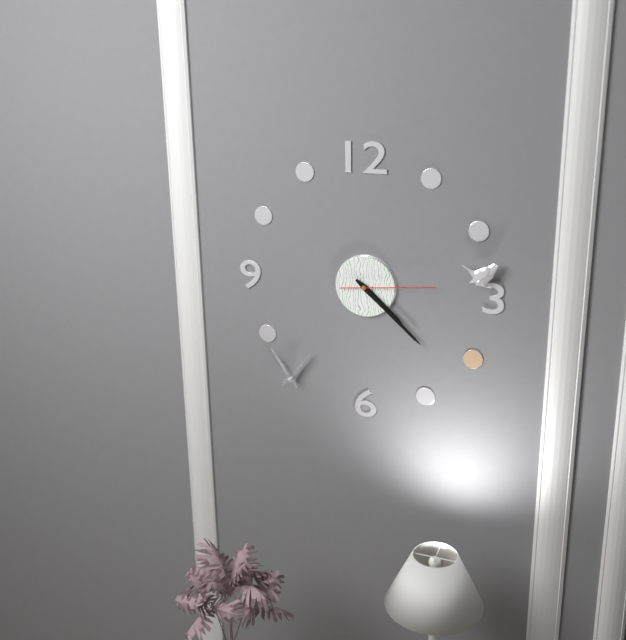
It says 4:22:14
